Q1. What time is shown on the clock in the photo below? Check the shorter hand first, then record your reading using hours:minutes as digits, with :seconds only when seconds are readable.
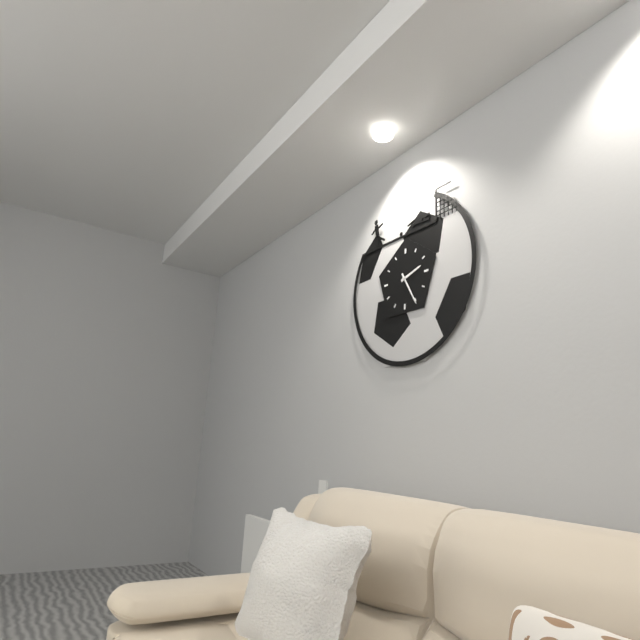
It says 2:25
